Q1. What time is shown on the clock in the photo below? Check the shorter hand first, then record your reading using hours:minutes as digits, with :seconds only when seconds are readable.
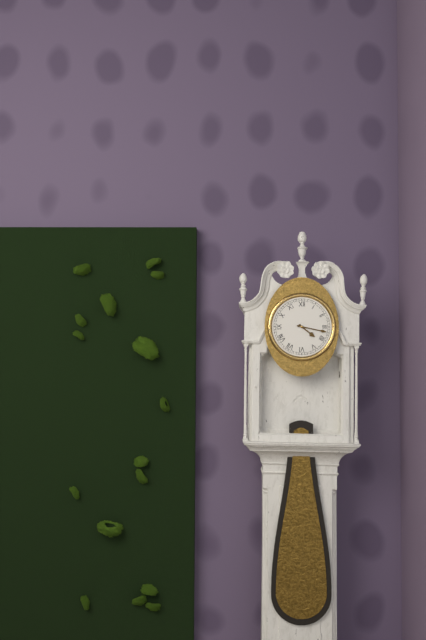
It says 4:17
